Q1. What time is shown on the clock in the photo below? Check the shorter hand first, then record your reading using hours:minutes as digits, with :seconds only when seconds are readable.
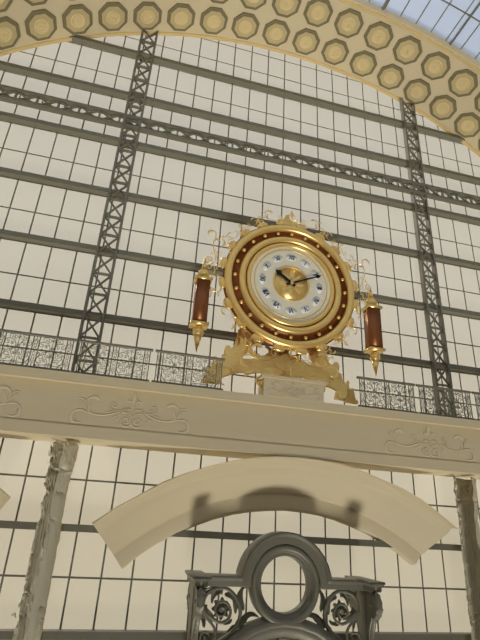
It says 10:11
